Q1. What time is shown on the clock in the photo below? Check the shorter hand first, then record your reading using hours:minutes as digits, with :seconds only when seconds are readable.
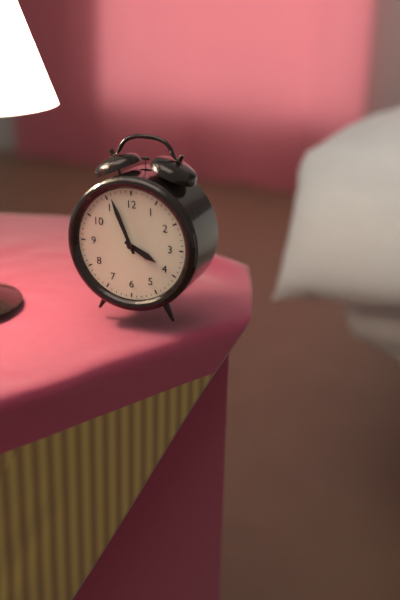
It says 3:56
